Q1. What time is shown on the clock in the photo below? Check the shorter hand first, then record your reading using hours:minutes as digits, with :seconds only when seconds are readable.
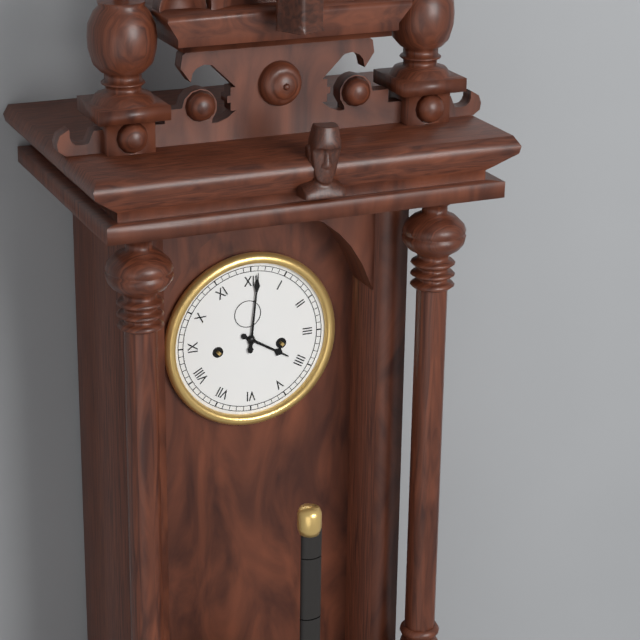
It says 4:01
